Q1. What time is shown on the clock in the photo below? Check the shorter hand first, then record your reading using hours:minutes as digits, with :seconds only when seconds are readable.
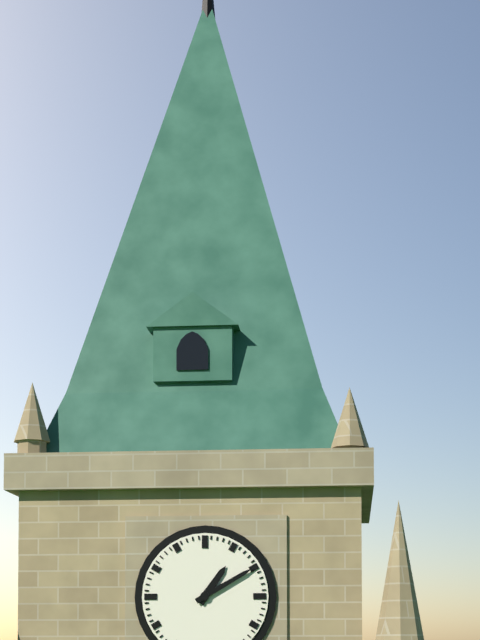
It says 1:10
